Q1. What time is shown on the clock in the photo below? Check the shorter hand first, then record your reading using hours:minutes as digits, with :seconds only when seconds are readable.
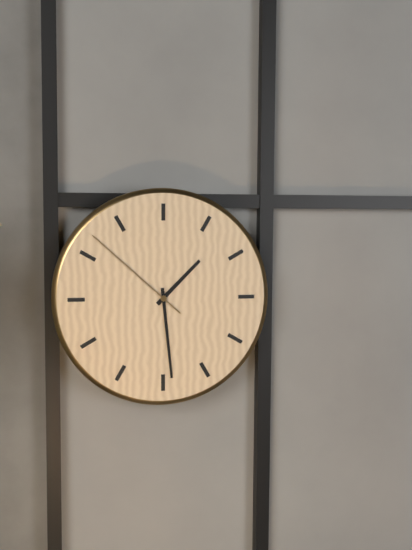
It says 1:29:52
